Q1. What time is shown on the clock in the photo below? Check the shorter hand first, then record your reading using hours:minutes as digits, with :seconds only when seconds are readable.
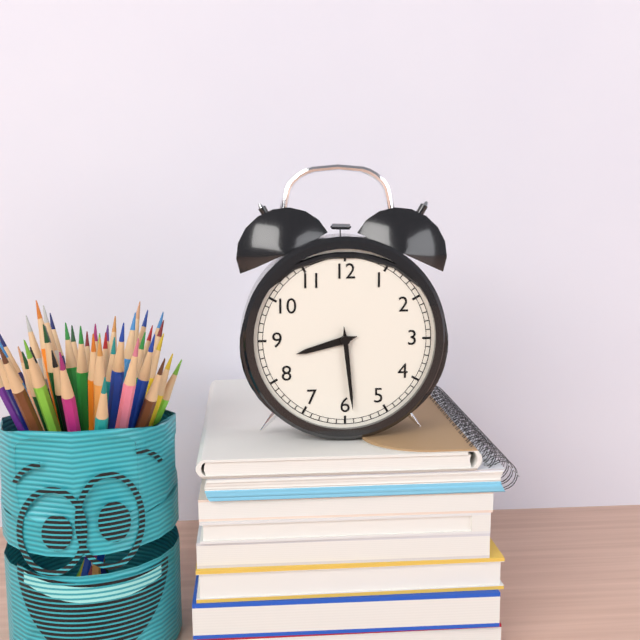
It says 8:29
